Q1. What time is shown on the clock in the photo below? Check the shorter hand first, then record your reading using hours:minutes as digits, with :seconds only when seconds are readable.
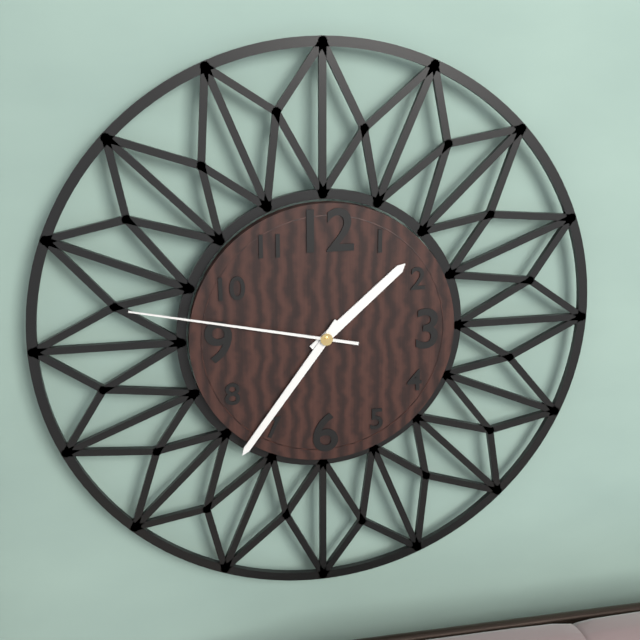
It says 1:36:47
